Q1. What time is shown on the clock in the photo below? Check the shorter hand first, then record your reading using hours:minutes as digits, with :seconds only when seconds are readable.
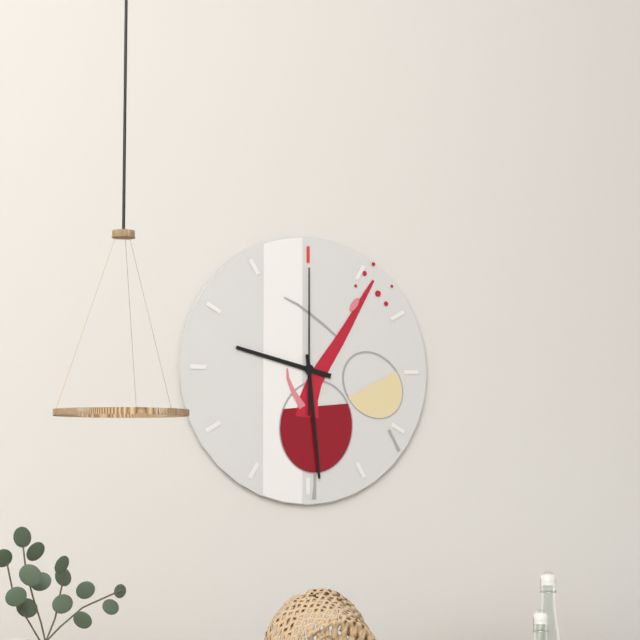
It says 9:29:00
